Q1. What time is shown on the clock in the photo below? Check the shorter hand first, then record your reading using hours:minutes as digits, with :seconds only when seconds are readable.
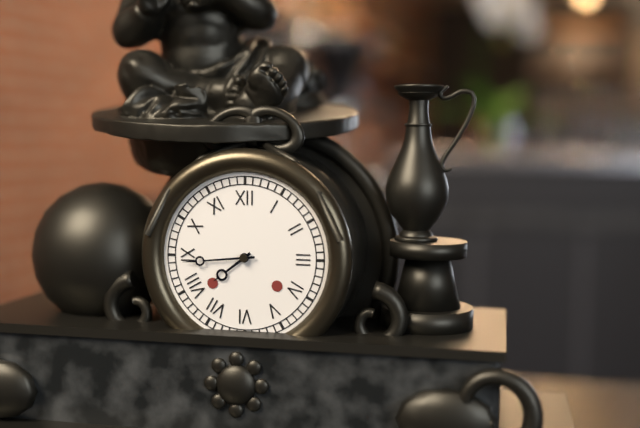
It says 7:44
